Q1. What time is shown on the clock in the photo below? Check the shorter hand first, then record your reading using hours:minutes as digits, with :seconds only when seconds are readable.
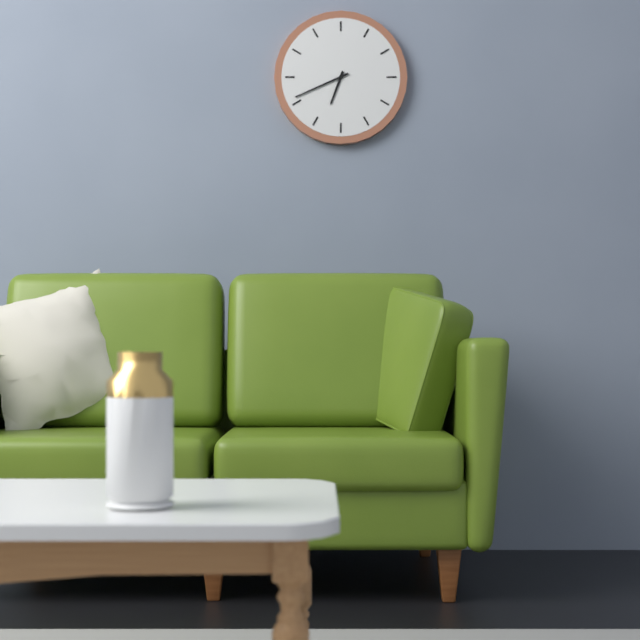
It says 6:41
